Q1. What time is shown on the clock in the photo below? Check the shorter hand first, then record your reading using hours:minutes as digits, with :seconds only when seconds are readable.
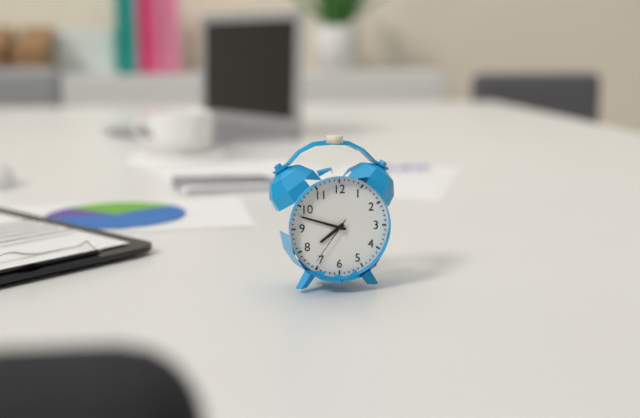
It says 7:48:36
